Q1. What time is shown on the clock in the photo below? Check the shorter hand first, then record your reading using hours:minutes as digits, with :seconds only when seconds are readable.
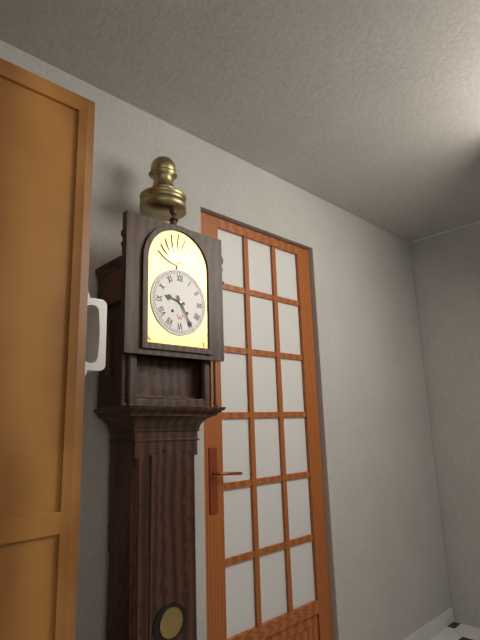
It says 9:25
